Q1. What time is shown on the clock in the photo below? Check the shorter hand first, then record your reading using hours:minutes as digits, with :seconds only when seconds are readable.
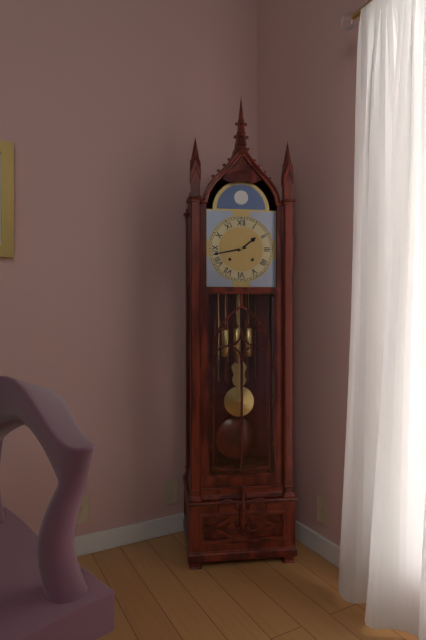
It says 1:43
